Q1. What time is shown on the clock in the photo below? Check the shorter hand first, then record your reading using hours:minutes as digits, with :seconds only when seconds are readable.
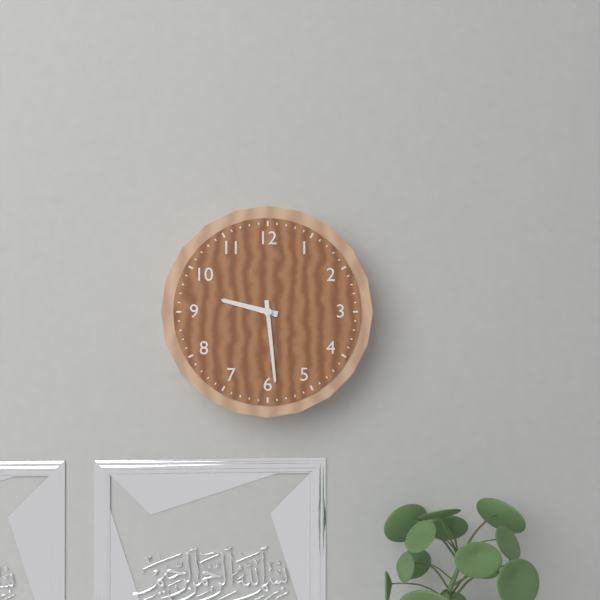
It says 9:29
